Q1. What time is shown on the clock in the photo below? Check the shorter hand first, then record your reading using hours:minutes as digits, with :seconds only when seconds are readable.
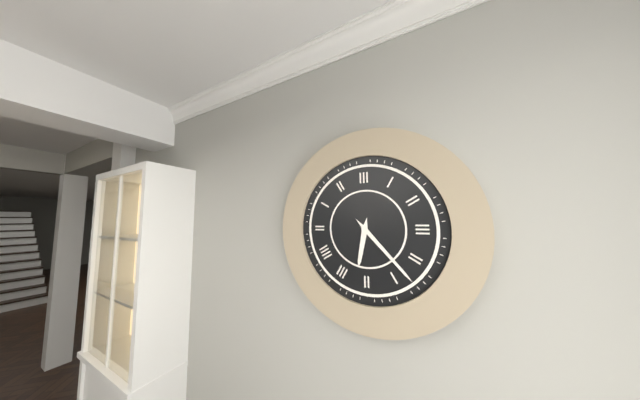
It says 6:23
